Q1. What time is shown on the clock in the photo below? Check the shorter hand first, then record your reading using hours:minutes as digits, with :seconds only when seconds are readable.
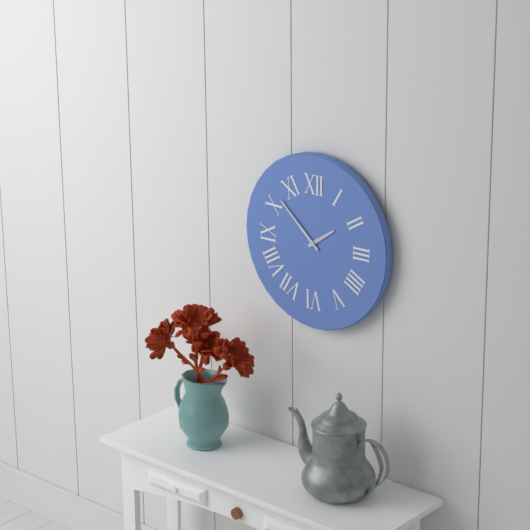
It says 1:52
